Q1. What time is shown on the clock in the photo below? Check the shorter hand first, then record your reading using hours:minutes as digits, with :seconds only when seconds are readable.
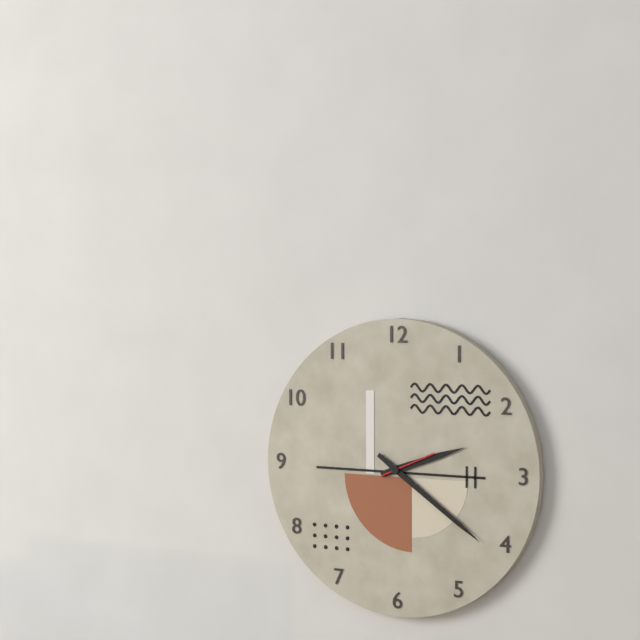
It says 2:21:11
